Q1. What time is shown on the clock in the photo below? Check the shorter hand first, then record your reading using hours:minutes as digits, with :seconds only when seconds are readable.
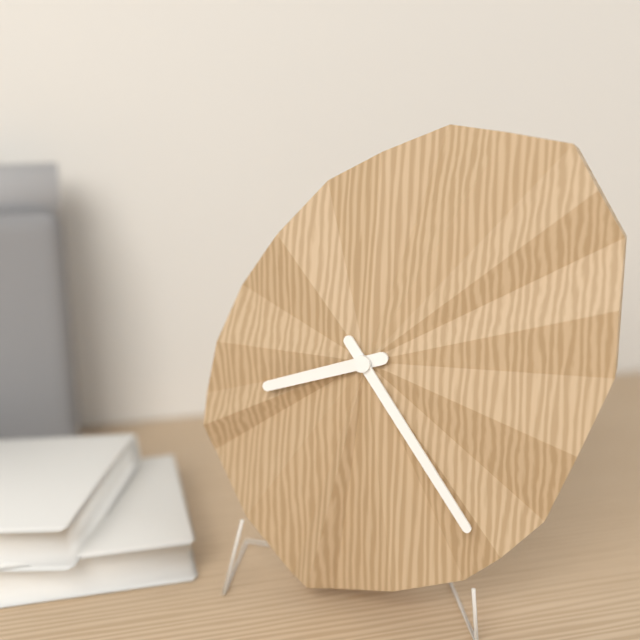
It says 8:24
